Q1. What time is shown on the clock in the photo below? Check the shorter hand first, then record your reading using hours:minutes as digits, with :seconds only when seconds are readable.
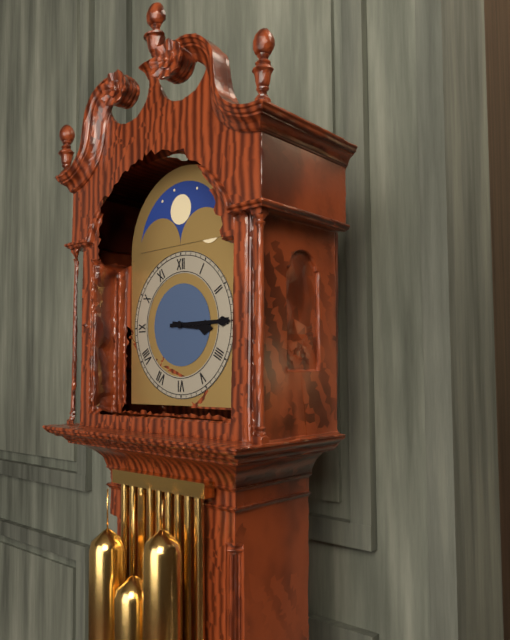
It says 3:15
